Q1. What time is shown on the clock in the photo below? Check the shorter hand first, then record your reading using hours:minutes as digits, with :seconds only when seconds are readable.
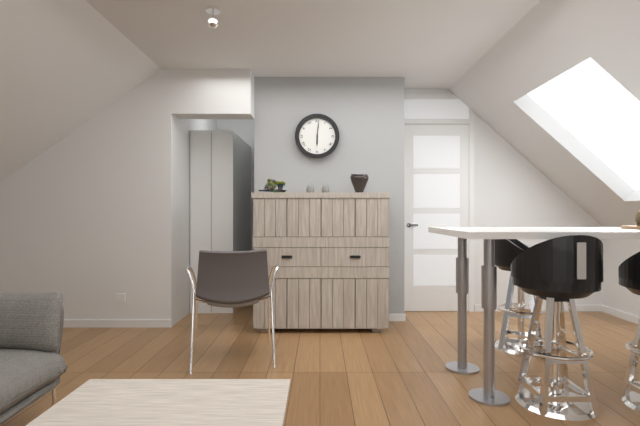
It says 6:01
